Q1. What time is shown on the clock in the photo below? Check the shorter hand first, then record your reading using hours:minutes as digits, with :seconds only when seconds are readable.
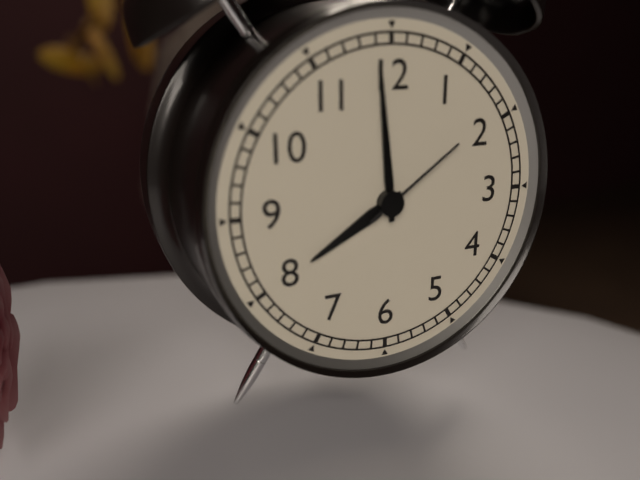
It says 7:59:09
